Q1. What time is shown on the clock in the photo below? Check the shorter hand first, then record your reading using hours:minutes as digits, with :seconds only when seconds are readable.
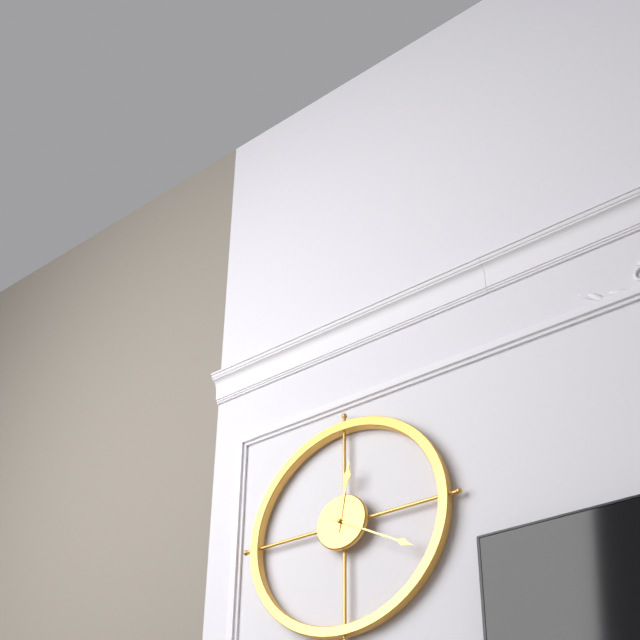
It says 12:20
